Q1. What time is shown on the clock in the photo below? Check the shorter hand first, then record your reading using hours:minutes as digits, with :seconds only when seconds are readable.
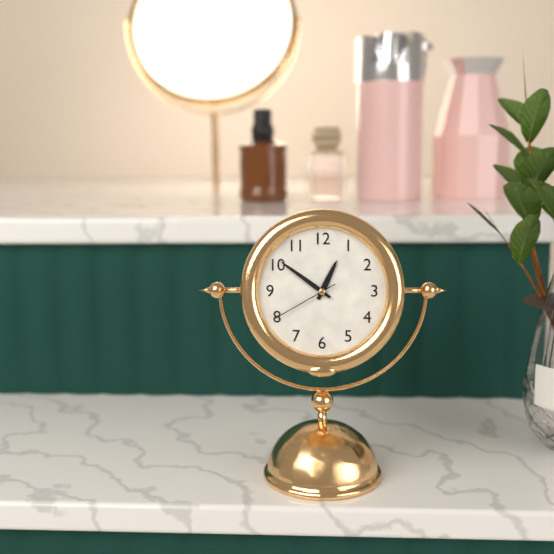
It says 12:51:40
